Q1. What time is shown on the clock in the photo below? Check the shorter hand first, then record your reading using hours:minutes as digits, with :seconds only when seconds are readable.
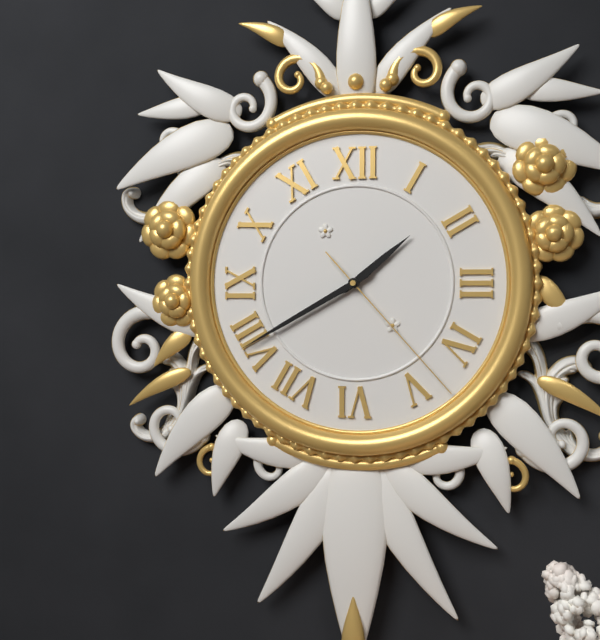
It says 1:40:23
